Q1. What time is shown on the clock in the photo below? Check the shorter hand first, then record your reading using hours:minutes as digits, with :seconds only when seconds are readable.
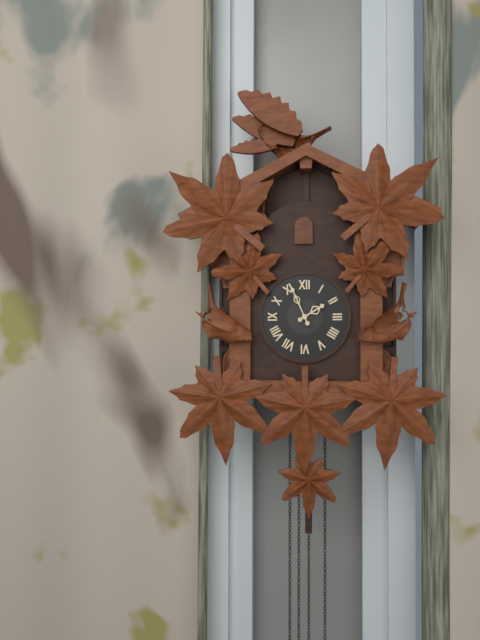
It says 1:56
